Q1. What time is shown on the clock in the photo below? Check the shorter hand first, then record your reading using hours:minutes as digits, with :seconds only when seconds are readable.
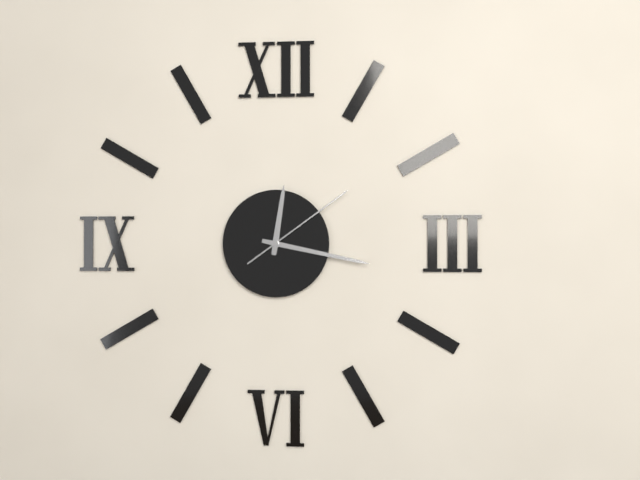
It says 12:17:09
